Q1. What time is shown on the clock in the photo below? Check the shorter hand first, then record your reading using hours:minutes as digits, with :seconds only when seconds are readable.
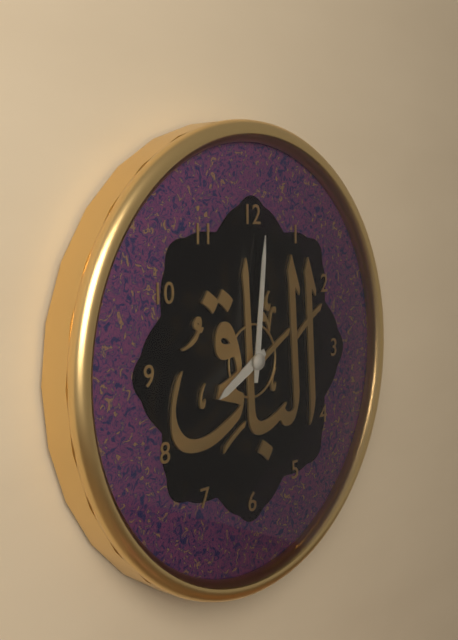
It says 8:01
